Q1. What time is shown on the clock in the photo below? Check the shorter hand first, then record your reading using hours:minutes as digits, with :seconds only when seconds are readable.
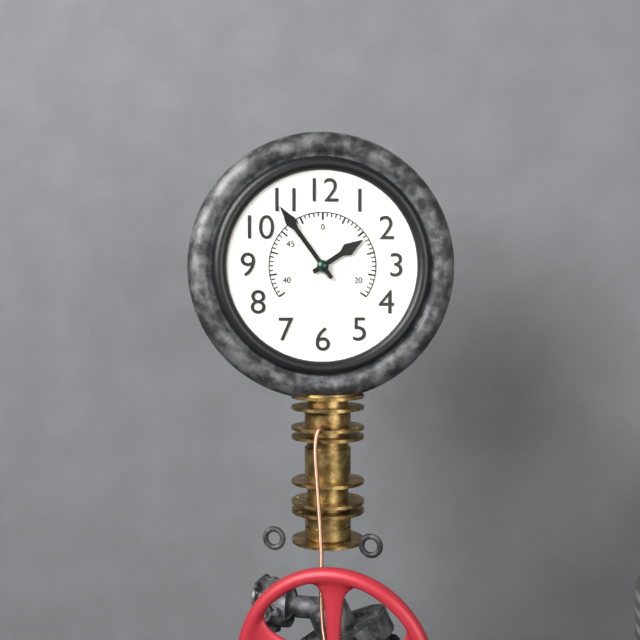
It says 1:54
